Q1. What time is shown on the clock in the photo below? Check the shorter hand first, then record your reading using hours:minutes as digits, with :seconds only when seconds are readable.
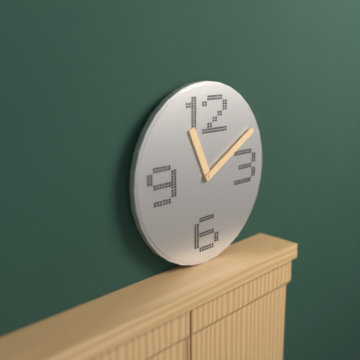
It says 11:10
